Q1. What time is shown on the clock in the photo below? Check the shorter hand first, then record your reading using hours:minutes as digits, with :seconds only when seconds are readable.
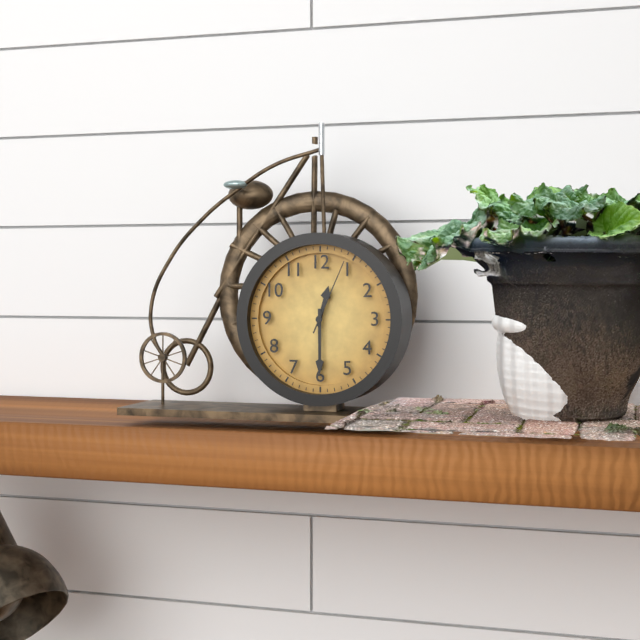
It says 12:30:04
